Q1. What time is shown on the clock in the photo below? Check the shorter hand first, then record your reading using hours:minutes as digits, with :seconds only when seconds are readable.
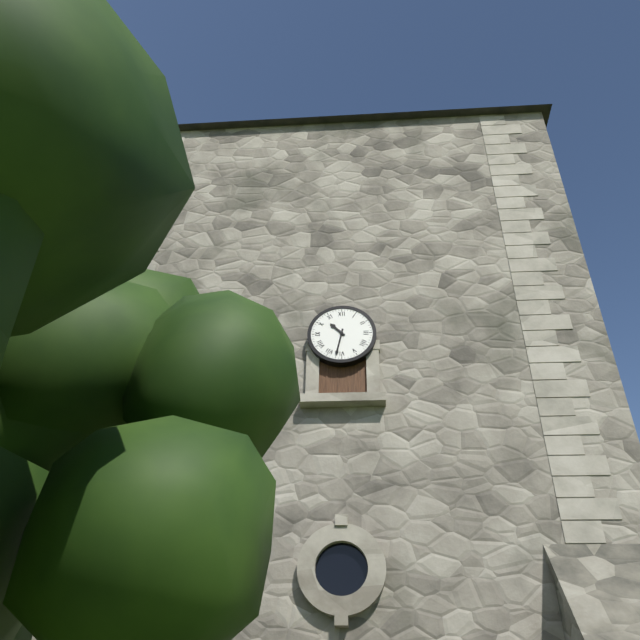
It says 10:32
